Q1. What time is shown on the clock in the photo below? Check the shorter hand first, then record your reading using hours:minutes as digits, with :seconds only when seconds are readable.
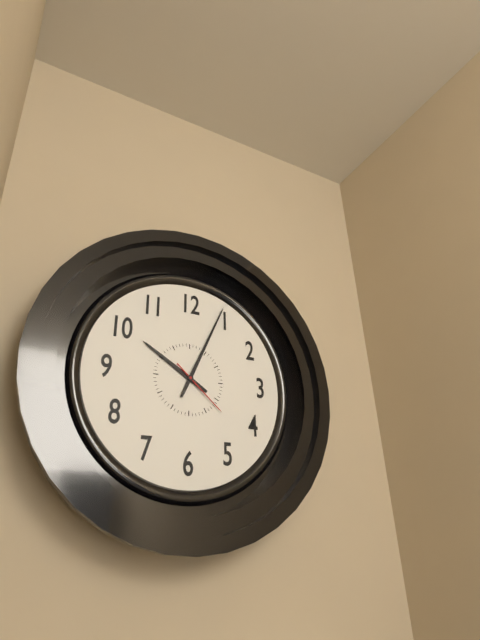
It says 10:04:22
